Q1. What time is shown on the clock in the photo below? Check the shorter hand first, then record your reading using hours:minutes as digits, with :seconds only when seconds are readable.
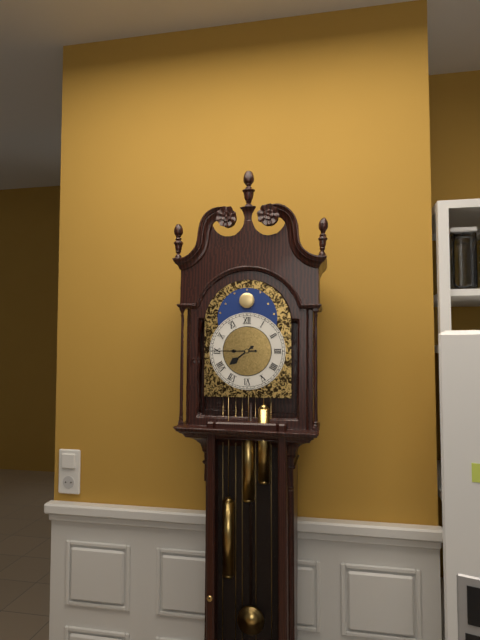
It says 7:45
